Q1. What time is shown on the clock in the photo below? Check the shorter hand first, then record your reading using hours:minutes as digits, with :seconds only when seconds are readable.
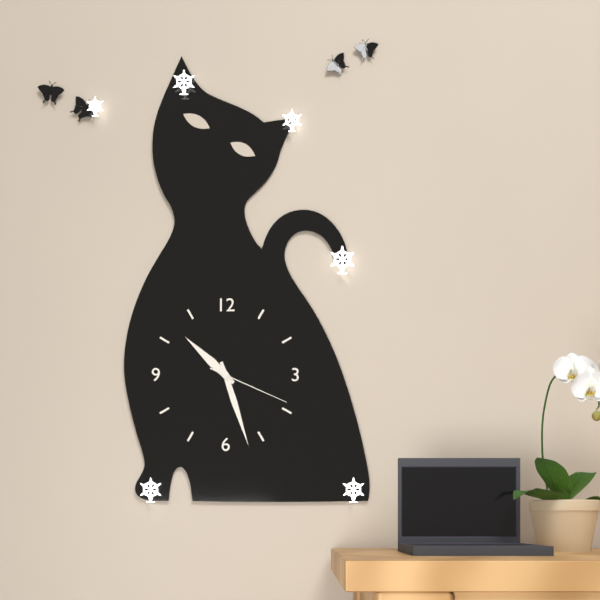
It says 10:27:19
